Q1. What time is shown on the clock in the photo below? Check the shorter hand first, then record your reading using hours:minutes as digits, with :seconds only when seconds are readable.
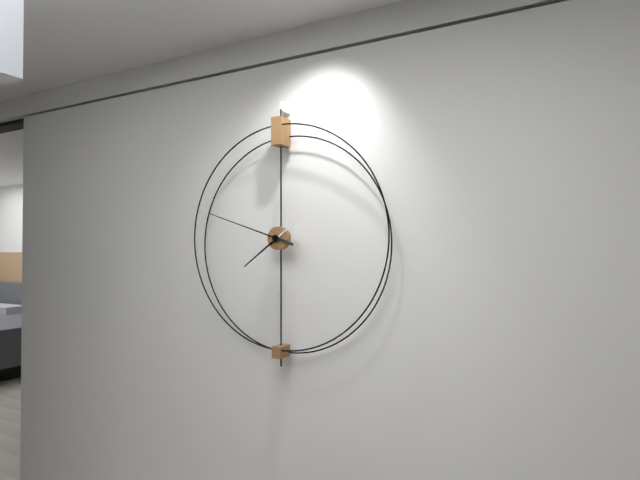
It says 7:48
